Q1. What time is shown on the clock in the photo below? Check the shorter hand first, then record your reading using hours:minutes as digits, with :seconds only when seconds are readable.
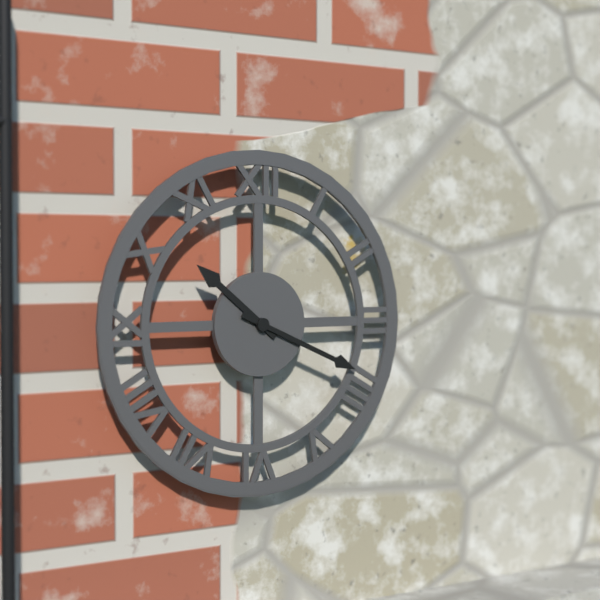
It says 10:19
